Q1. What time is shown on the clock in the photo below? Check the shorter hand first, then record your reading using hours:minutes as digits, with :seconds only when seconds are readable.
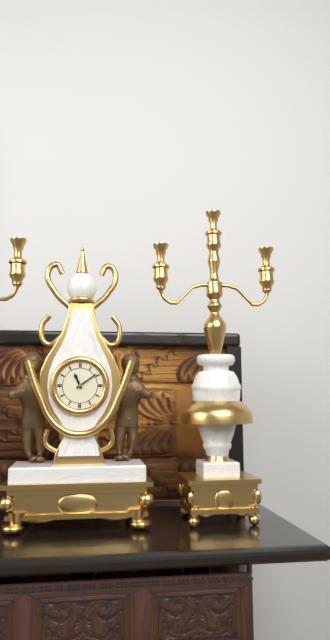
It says 11:09
